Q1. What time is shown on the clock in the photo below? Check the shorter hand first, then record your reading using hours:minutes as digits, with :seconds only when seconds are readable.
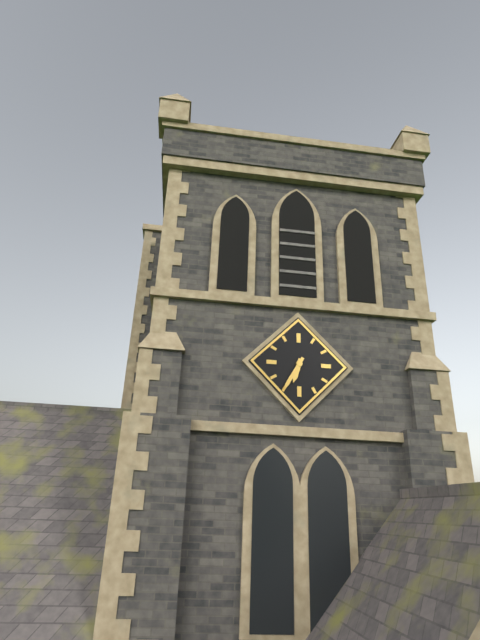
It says 6:35
